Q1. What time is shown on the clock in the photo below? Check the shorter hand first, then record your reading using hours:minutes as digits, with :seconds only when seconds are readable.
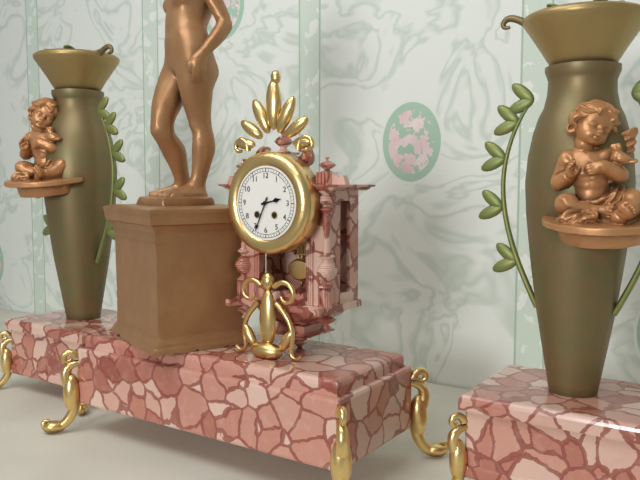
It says 2:34
